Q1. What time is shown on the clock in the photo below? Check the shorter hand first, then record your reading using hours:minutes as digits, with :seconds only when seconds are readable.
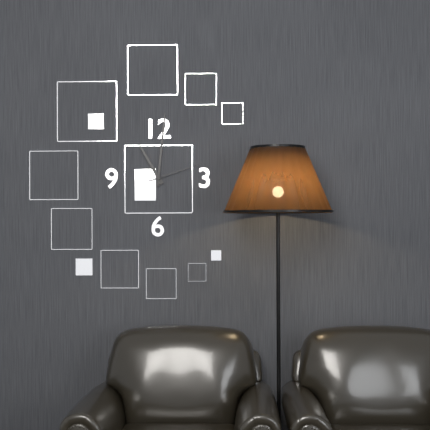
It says 11:01:12
